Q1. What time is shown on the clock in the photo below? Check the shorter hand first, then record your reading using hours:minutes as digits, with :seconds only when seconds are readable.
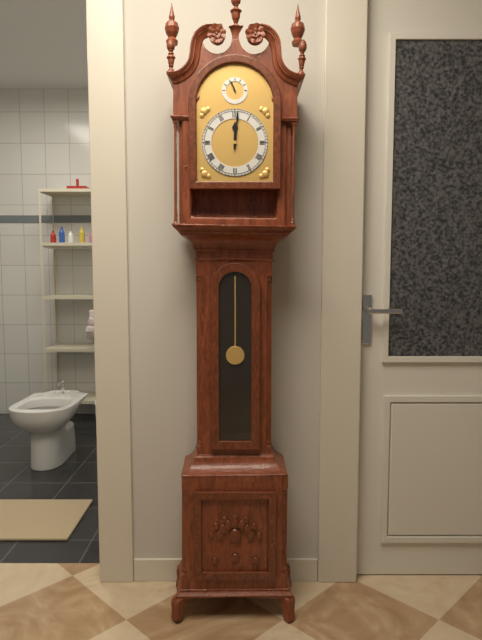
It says 12:01
